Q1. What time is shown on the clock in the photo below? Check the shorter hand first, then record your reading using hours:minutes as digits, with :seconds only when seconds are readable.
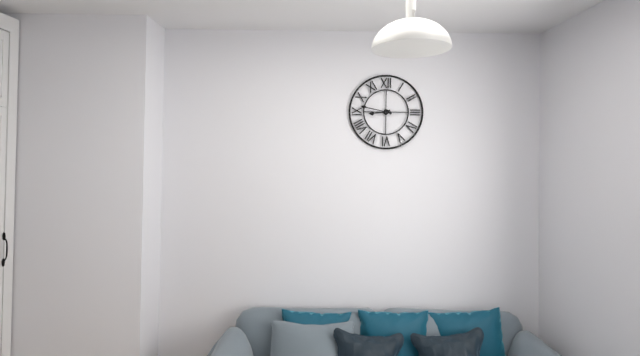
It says 8:47
